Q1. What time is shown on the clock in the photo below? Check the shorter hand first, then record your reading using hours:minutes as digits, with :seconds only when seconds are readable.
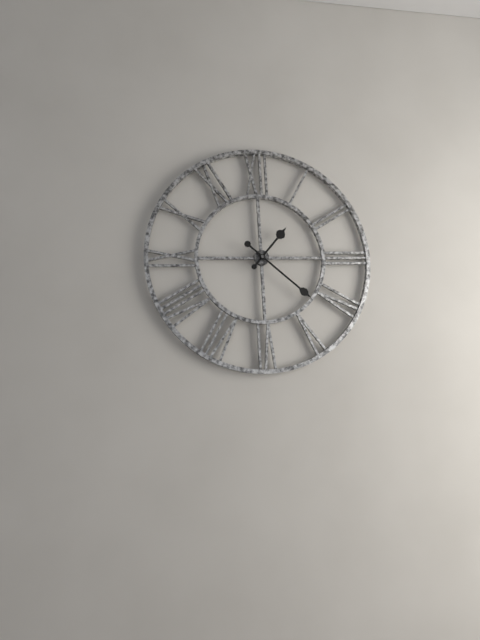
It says 1:22
